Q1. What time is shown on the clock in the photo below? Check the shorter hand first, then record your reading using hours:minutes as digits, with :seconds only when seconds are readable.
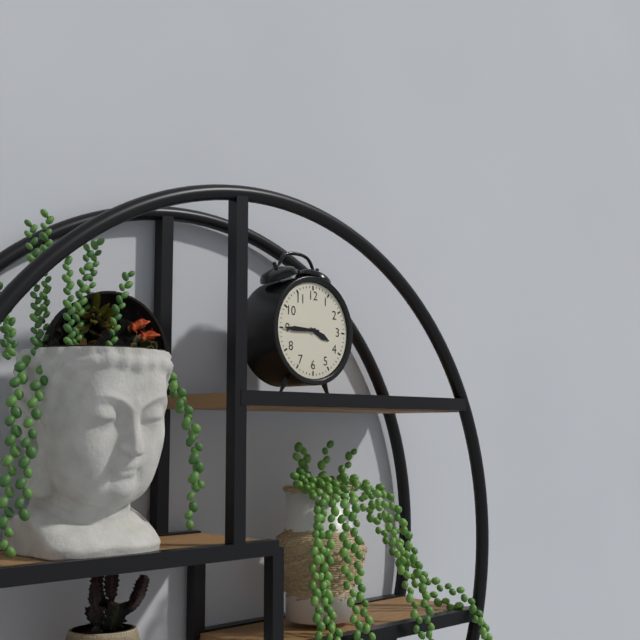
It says 3:45
